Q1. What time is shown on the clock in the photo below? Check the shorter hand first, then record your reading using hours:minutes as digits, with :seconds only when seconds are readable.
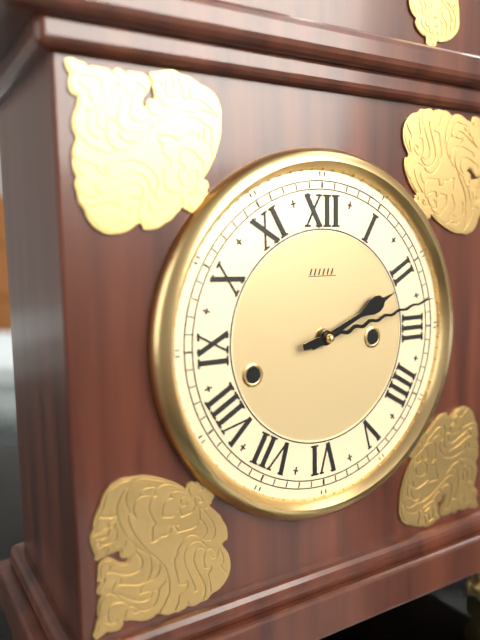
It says 2:13
